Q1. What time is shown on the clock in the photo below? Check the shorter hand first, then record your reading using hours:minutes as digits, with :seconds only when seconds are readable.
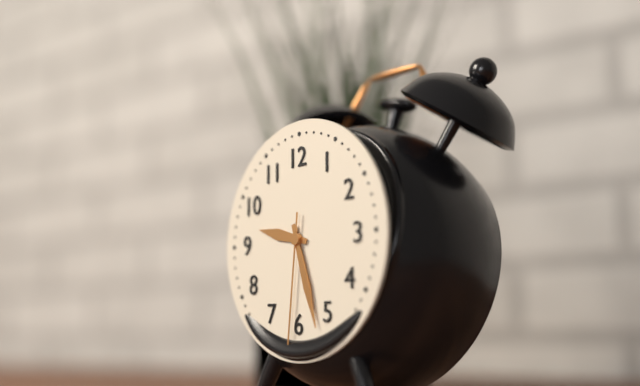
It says 9:27:31
